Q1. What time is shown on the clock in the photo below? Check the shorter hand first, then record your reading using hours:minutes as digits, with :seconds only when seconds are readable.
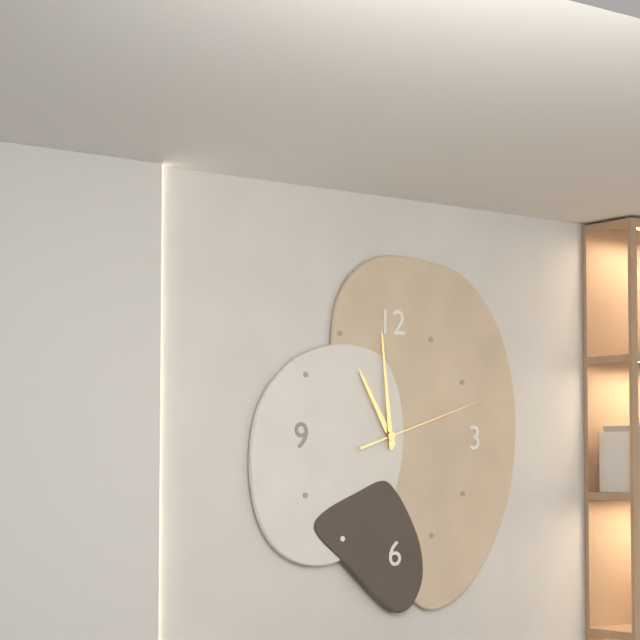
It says 10:59:12
